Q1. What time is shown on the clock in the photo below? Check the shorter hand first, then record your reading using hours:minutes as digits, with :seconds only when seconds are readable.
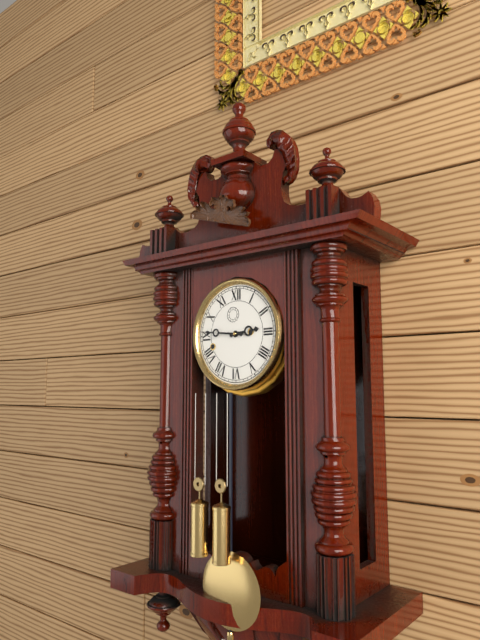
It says 2:46
